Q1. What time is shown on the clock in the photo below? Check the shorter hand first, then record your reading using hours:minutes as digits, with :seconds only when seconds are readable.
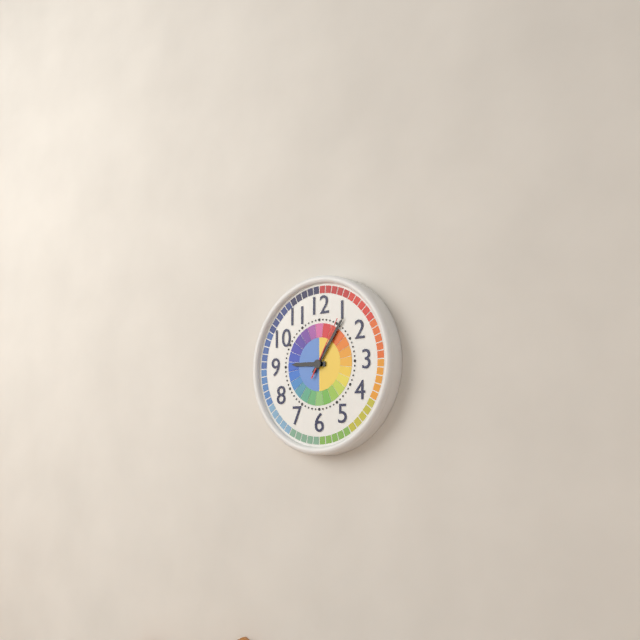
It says 9:06:05
